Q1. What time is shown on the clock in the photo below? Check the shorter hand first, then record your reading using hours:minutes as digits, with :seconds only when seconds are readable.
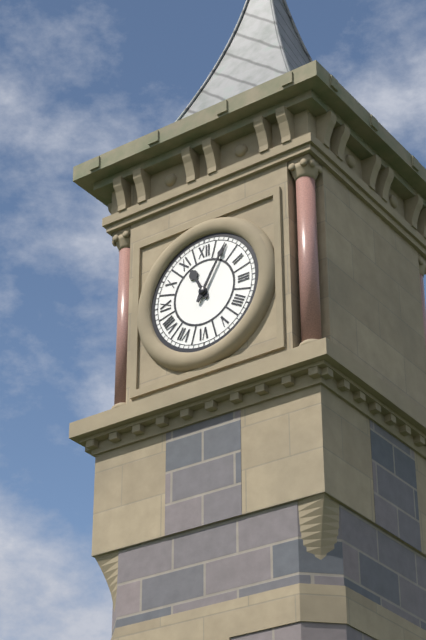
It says 11:05
